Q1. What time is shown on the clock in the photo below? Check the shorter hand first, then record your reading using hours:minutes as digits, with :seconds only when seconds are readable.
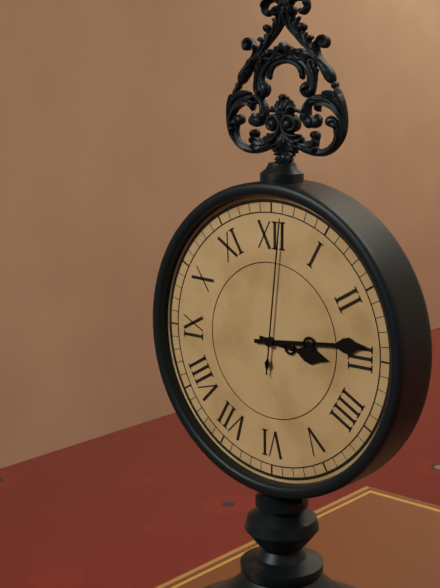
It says 3:14:01
